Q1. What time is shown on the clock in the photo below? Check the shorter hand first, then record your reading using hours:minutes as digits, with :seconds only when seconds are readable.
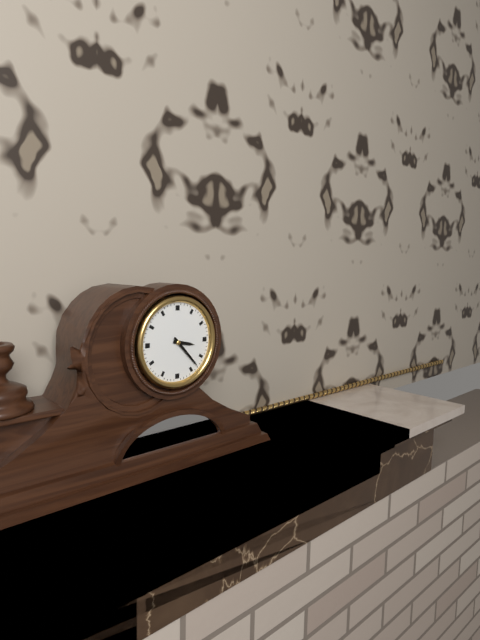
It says 3:23
